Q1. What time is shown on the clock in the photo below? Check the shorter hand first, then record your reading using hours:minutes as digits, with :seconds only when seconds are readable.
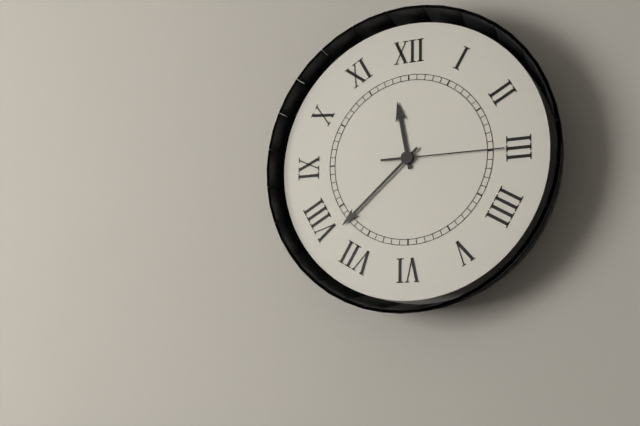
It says 11:38:15
